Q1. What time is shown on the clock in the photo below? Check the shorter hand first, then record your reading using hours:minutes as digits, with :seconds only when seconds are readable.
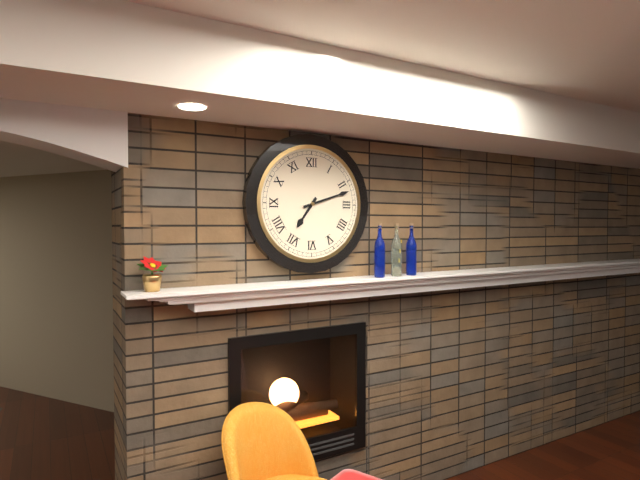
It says 7:12
